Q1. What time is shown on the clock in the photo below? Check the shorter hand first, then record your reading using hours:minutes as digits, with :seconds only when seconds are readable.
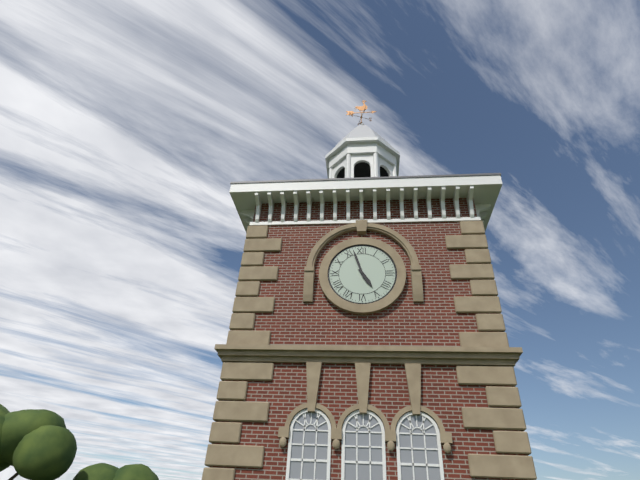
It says 4:57
